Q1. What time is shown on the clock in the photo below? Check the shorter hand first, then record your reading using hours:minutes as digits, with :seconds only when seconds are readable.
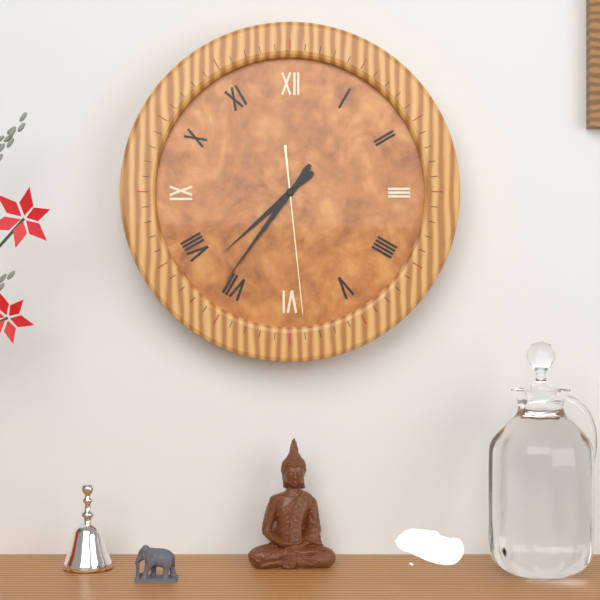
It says 7:36:29
